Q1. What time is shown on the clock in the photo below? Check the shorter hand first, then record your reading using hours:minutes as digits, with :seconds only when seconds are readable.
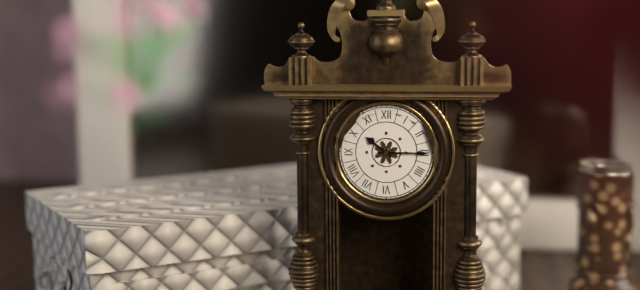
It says 10:15
